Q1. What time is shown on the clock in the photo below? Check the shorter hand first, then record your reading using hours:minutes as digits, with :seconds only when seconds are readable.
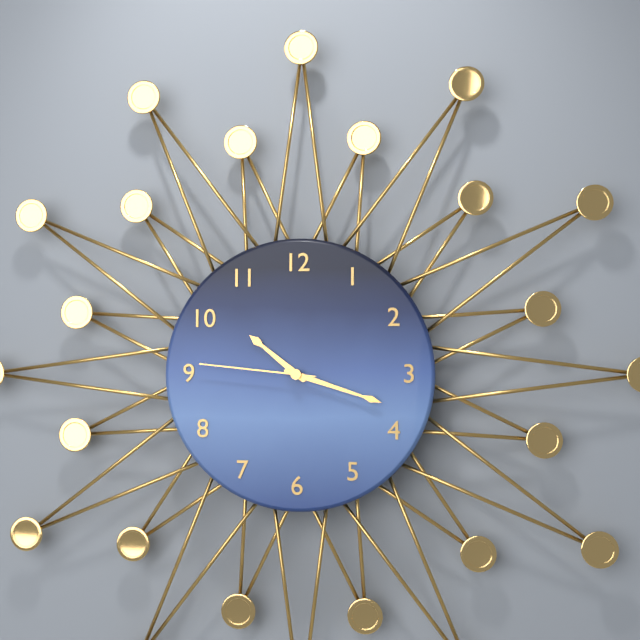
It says 10:18:46
